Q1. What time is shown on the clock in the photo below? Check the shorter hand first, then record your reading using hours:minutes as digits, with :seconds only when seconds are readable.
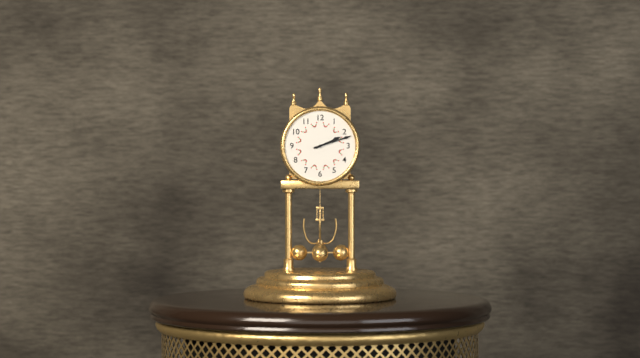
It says 2:12
